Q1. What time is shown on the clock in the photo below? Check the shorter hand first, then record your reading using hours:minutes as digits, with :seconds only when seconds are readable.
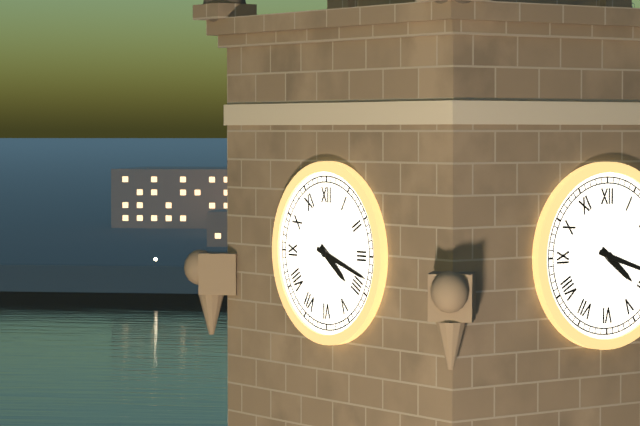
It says 4:18
